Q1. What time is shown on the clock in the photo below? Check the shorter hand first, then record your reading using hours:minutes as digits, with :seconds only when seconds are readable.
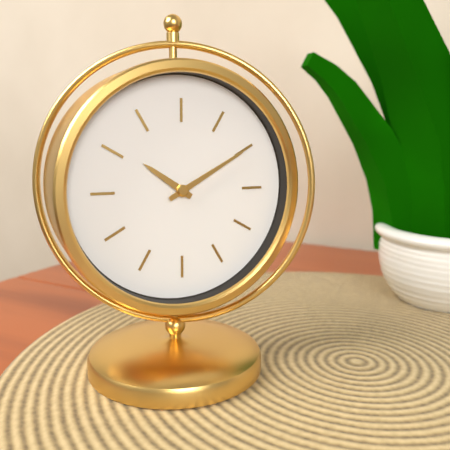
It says 10:10
